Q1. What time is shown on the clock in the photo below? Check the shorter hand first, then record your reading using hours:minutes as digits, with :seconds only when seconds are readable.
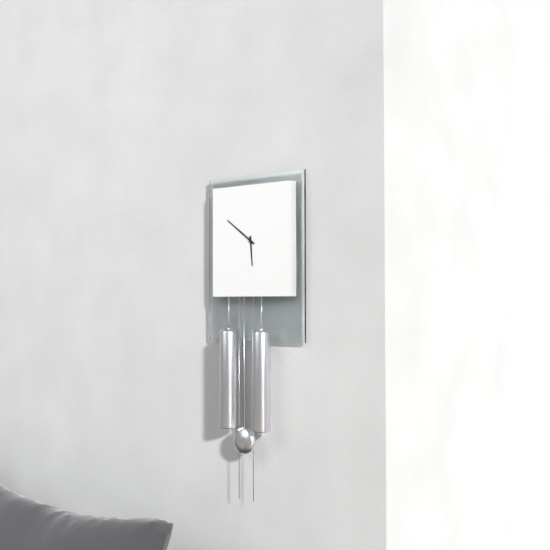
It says 5:51
